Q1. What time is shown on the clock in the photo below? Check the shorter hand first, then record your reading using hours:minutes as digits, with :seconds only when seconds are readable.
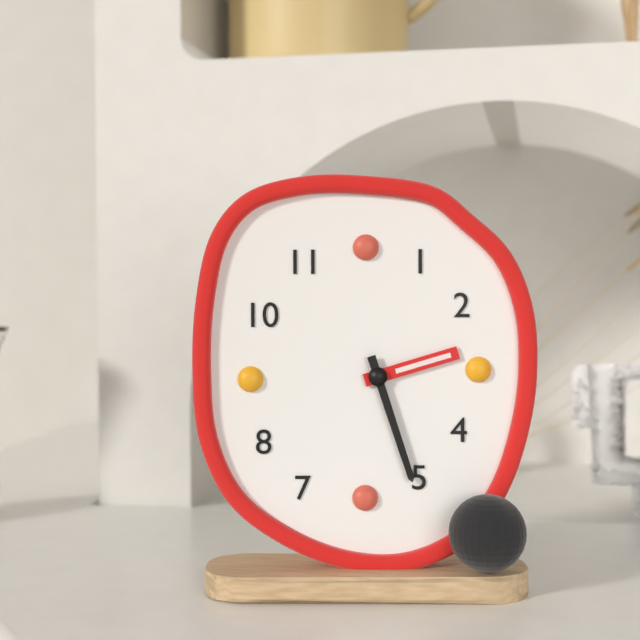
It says 2:27
